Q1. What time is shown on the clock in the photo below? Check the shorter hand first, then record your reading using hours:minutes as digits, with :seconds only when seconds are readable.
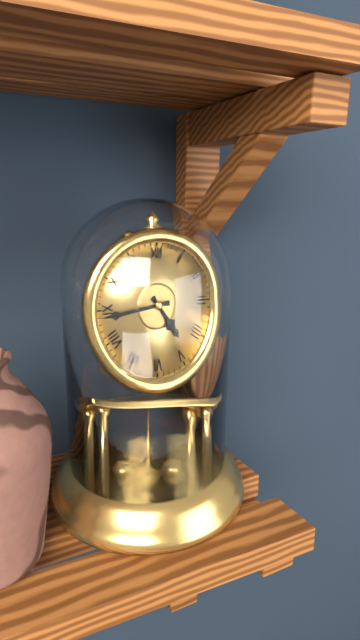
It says 4:44
